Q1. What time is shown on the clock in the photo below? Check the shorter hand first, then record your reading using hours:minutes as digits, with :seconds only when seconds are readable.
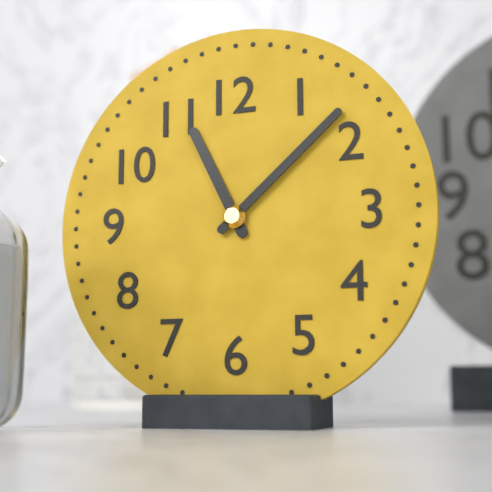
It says 11:08
